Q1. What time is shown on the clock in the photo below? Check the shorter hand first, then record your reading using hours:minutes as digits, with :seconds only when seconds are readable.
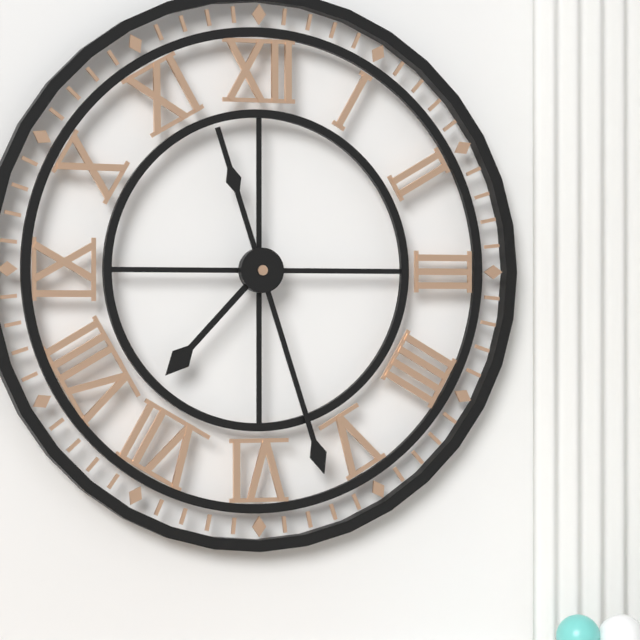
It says 7:27
